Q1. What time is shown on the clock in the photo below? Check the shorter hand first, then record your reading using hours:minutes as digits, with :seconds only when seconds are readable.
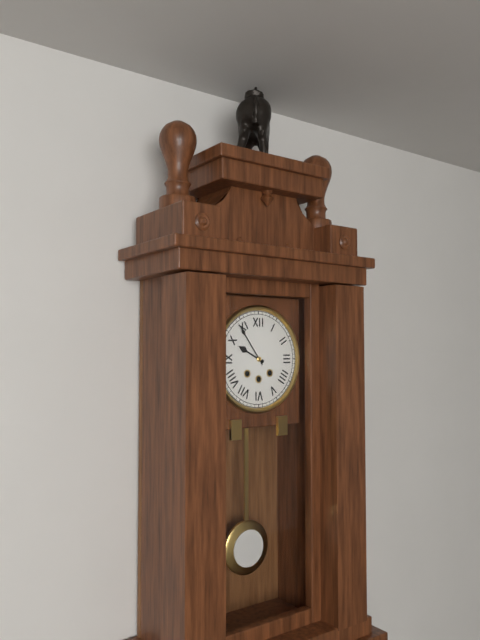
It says 9:54
